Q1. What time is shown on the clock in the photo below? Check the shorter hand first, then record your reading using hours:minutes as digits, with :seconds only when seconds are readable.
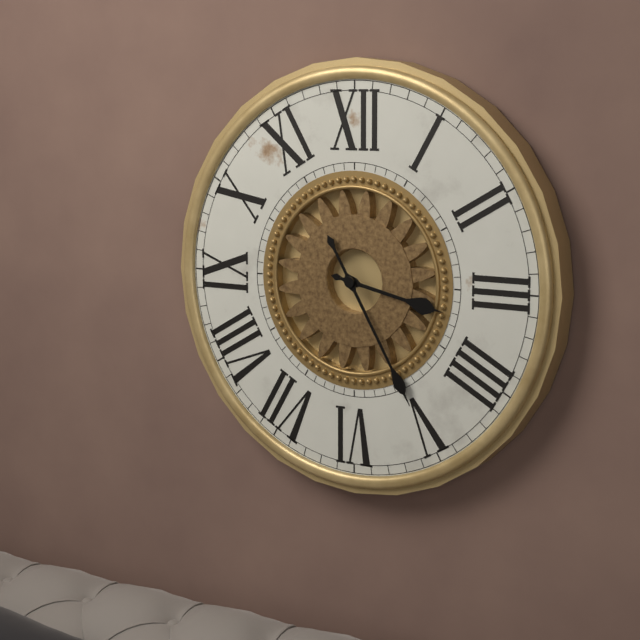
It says 3:25
